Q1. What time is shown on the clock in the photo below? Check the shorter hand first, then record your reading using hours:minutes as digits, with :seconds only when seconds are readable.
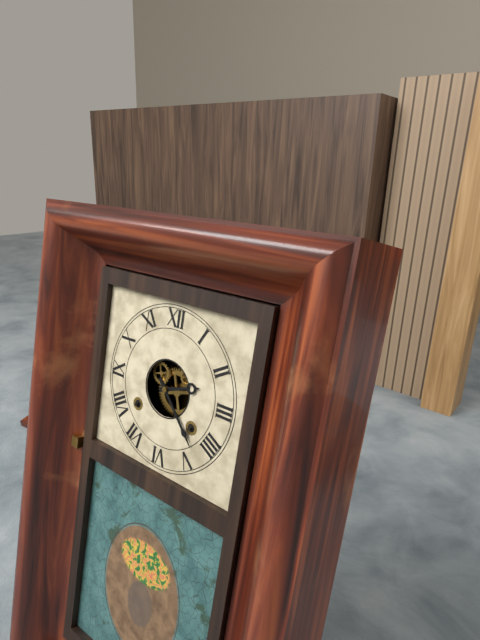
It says 2:23
